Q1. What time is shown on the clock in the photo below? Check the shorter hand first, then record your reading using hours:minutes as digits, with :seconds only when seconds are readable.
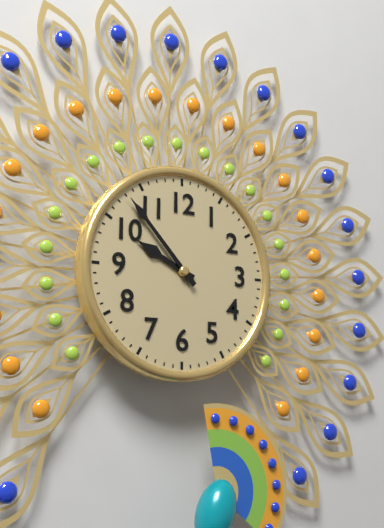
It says 9:53
